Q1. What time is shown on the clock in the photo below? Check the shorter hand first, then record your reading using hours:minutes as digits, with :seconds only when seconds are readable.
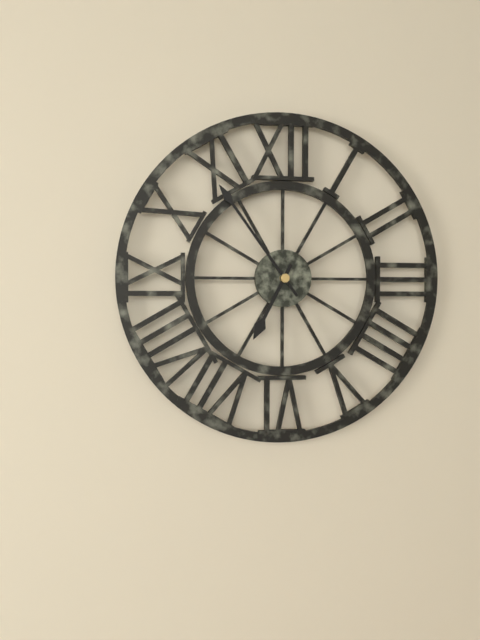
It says 6:54
